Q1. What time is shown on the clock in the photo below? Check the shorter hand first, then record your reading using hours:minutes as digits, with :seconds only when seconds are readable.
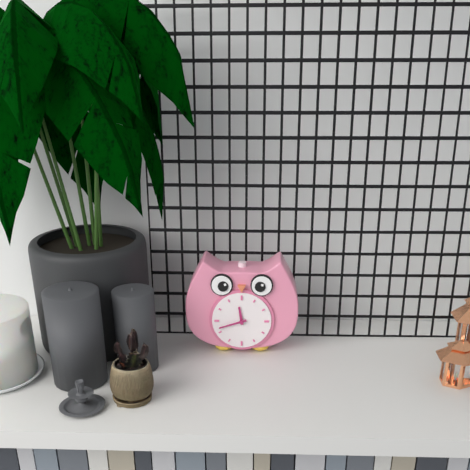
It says 11:42
